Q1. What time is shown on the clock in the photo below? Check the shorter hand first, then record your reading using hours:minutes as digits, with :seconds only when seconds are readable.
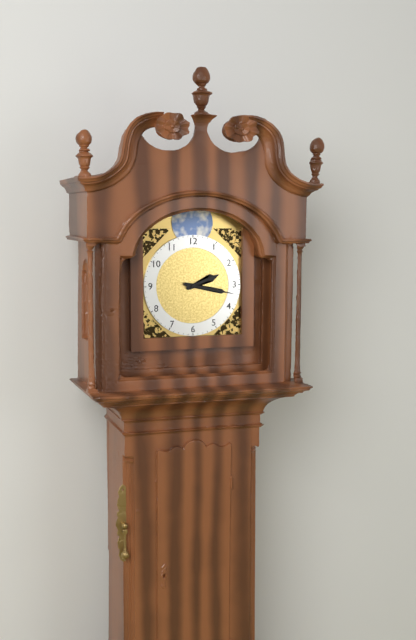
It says 2:17
